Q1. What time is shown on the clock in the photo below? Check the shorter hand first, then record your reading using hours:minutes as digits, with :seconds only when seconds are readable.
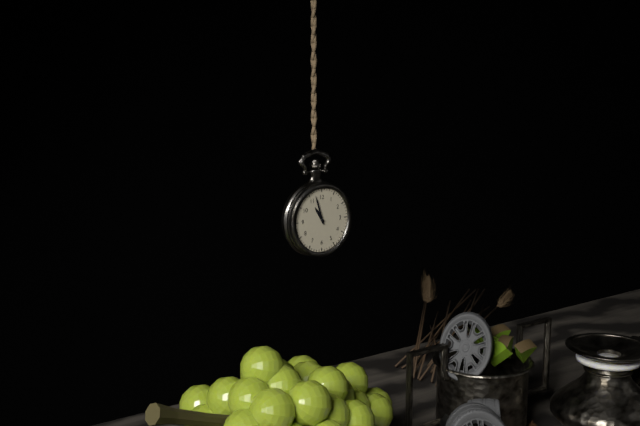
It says 10:57
